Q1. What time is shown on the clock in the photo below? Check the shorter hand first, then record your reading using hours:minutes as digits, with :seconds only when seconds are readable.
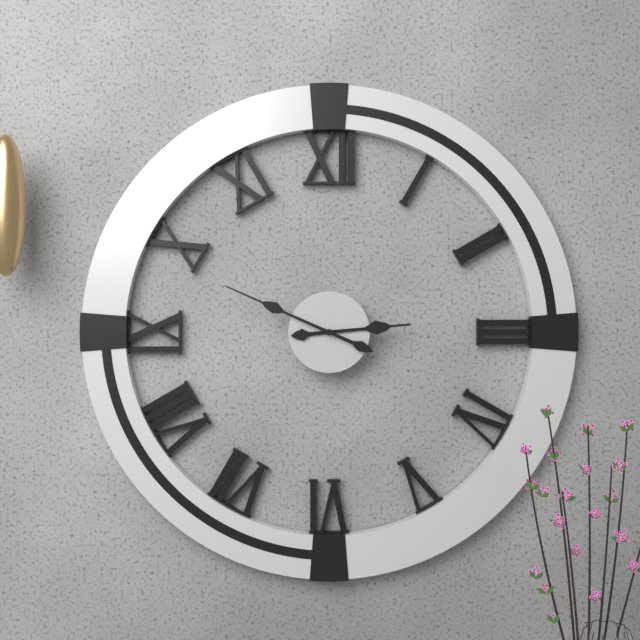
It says 2:49
